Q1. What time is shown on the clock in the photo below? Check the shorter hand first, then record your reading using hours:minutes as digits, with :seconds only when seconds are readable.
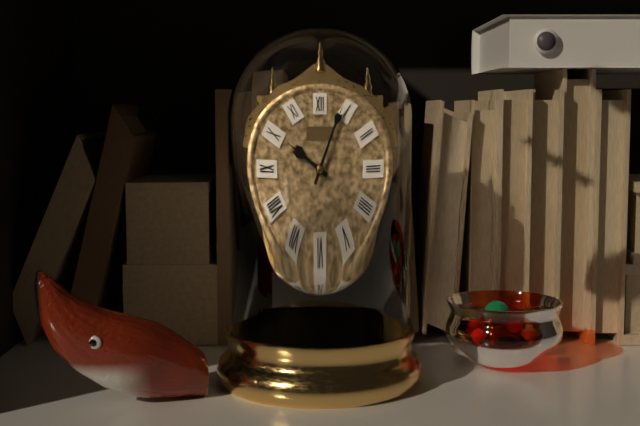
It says 10:04
